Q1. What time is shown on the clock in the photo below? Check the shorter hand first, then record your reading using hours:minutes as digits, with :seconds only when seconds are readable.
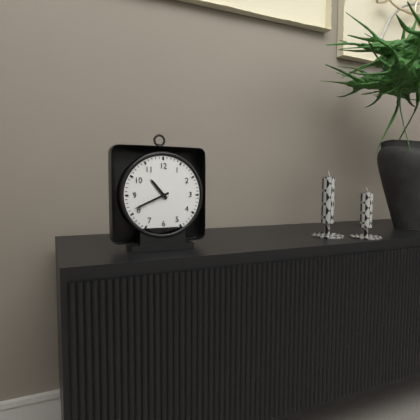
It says 10:41
